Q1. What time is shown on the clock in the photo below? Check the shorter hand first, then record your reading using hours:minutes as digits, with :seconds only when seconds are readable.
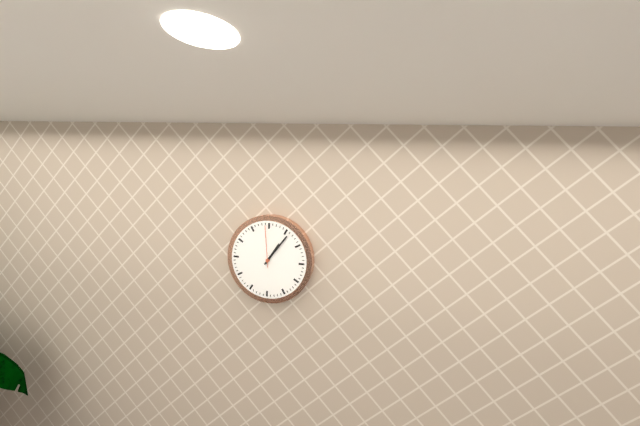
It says 1:06
